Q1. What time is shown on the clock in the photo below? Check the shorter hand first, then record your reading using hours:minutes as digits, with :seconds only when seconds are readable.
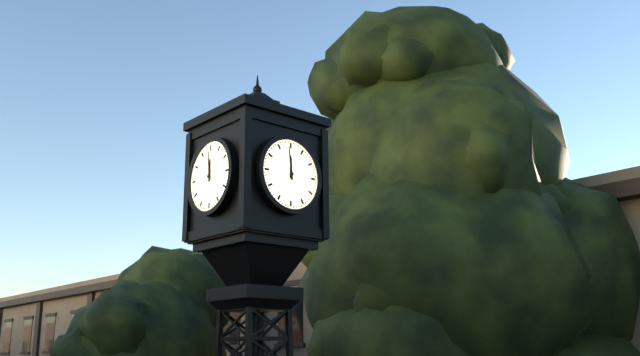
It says 11:59
